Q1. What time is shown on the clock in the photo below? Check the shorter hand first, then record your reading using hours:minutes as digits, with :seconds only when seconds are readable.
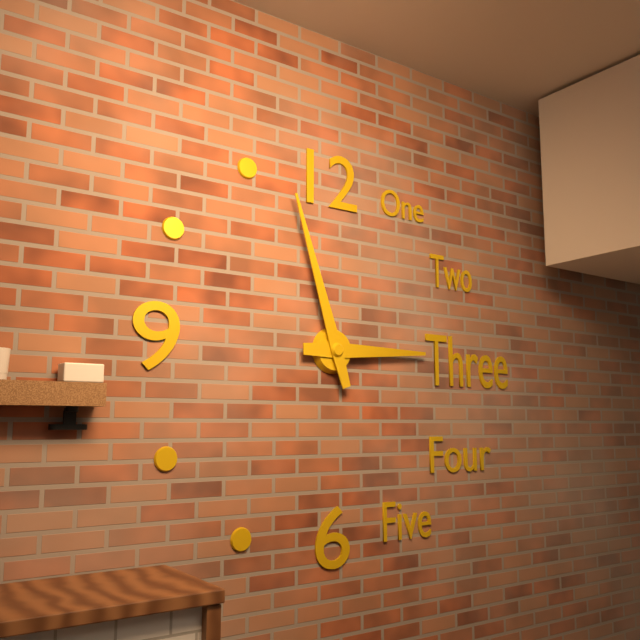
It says 2:57
